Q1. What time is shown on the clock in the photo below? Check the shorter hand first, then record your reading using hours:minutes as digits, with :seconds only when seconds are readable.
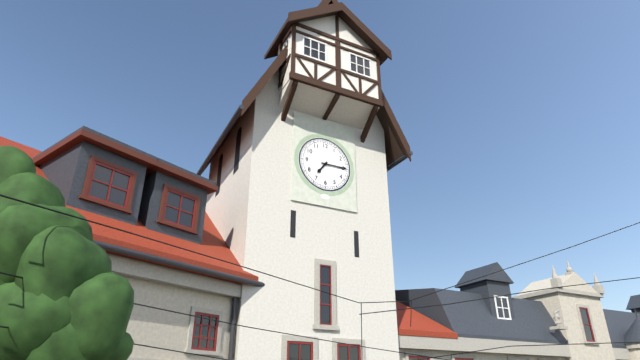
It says 7:15
